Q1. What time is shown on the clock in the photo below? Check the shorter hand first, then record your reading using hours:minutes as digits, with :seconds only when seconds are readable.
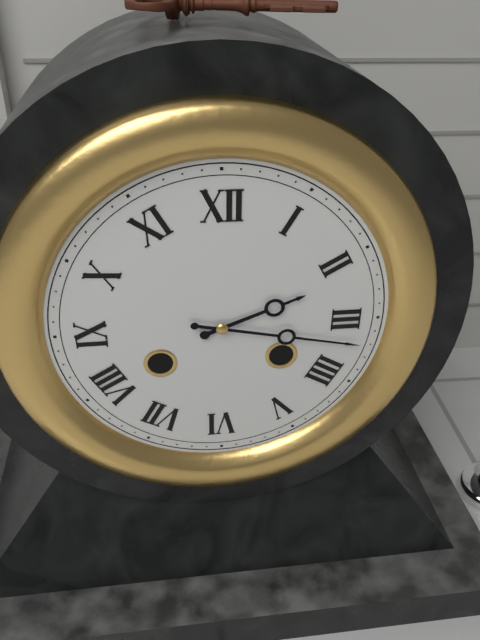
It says 2:17
